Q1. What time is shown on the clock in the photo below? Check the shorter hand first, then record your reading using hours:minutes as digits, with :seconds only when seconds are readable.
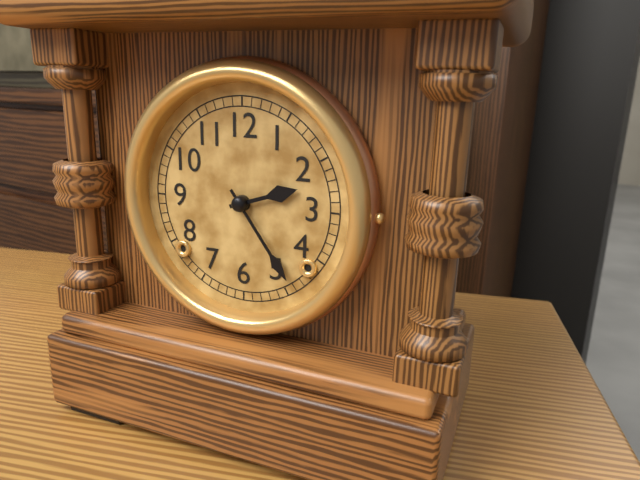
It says 2:24
